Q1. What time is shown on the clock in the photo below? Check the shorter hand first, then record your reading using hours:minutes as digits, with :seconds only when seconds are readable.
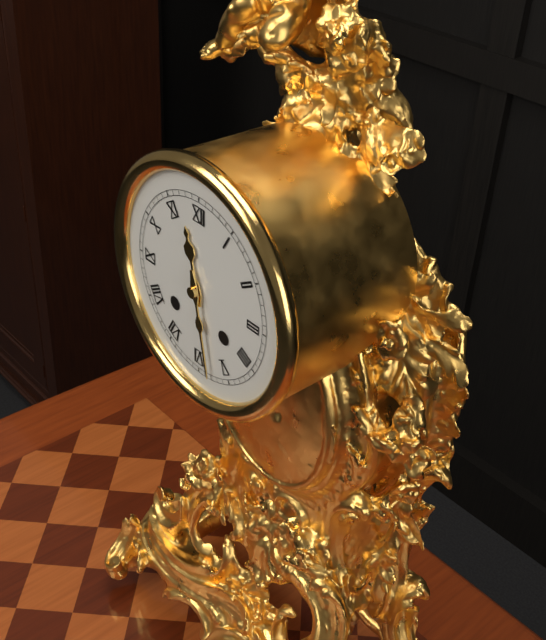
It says 11:28
